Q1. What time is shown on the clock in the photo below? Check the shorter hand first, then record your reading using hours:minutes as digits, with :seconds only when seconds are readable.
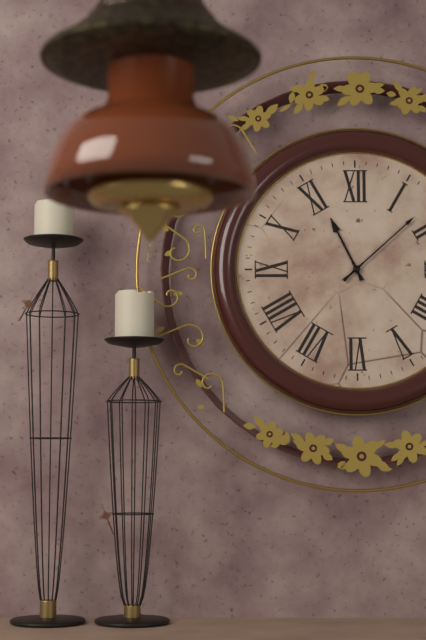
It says 11:08
